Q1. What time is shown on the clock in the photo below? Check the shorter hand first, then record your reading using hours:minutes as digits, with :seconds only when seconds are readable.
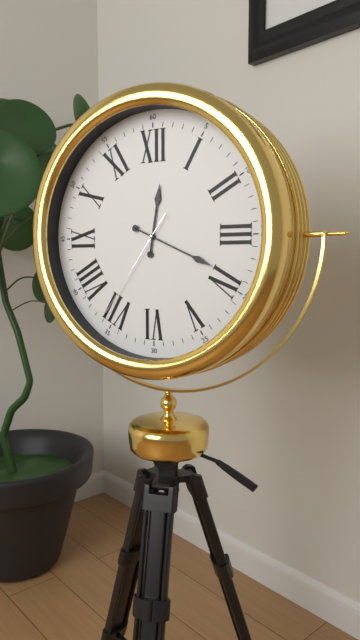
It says 12:19:36
